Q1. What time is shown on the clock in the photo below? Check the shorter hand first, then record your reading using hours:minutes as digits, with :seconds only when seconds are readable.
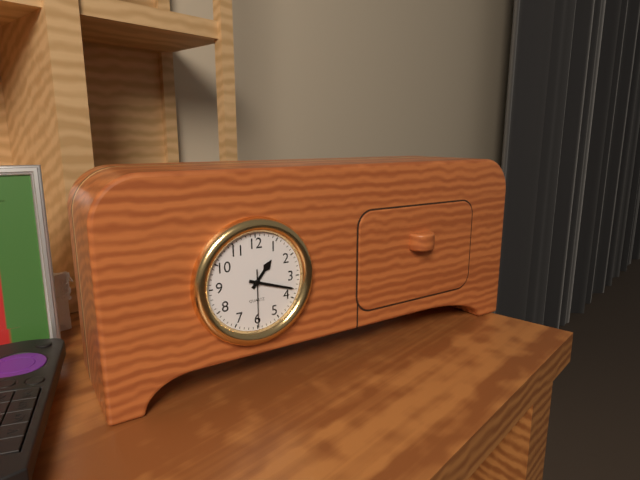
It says 1:18:30
